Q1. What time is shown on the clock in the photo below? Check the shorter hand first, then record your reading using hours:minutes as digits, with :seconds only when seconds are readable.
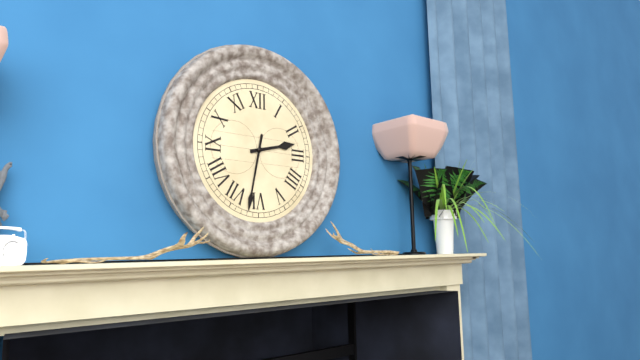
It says 2:32
